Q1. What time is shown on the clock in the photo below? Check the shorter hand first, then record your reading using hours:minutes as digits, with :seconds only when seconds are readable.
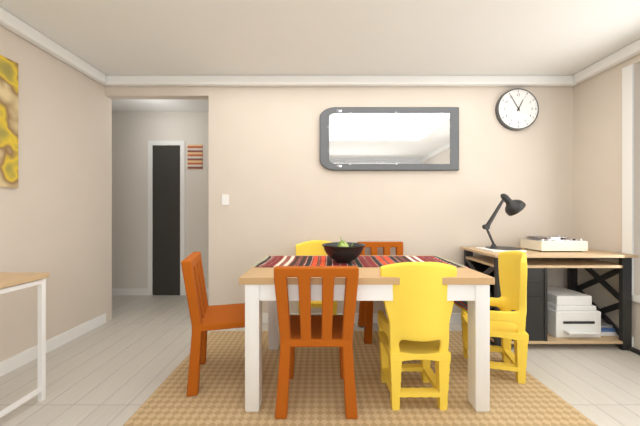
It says 12:55
